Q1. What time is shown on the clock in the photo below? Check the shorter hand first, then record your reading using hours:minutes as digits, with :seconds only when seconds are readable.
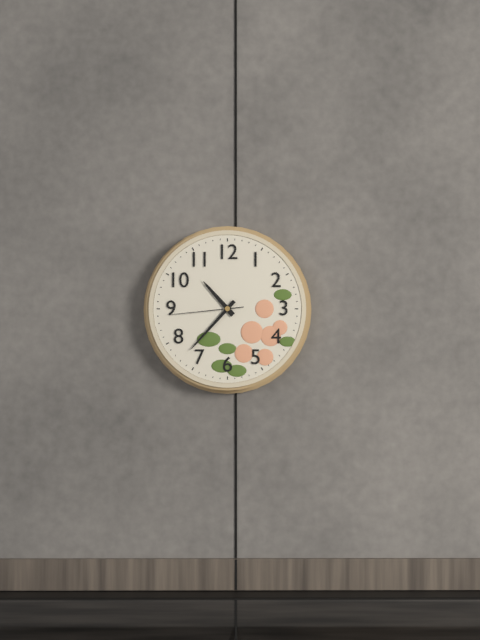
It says 10:37:44
